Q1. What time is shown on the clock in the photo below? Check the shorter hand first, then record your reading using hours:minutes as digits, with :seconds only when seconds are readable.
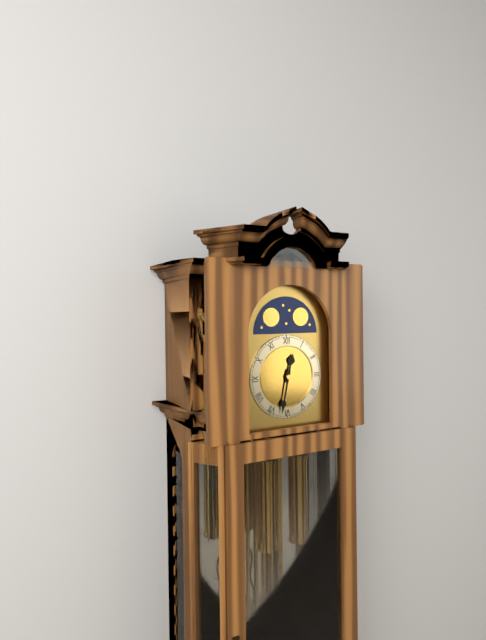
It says 12:32
